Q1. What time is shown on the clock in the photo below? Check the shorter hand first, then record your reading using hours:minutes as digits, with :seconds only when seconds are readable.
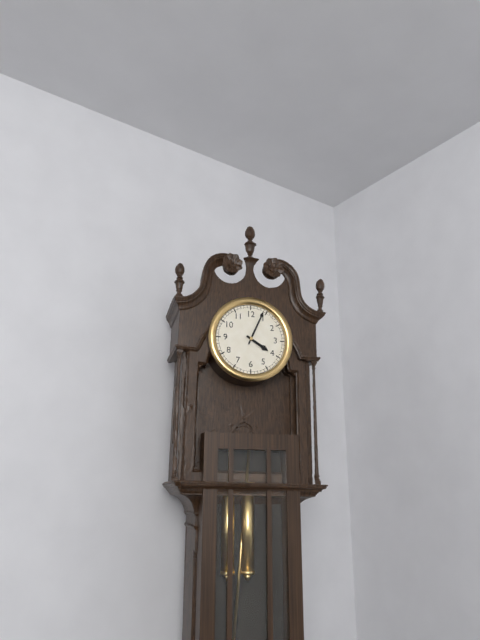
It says 4:04
